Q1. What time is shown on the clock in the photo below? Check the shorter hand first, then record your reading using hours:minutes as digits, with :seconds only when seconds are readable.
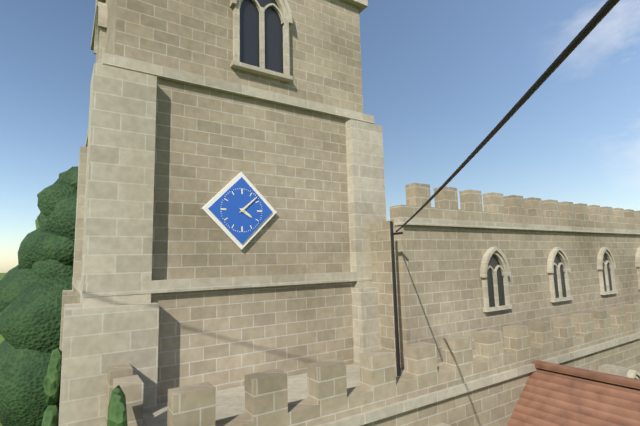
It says 4:08
